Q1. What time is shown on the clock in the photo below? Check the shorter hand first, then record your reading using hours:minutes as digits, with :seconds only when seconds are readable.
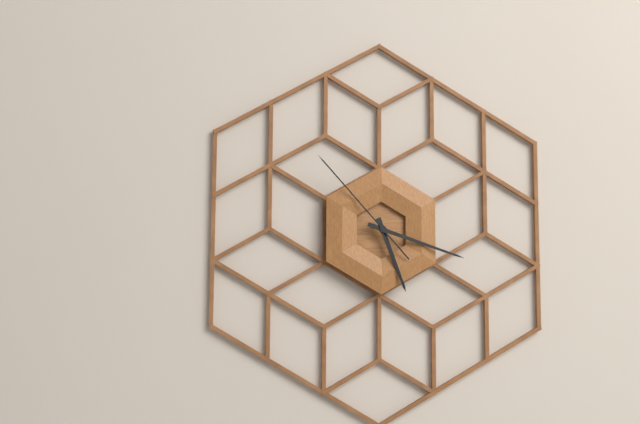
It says 5:18:53
